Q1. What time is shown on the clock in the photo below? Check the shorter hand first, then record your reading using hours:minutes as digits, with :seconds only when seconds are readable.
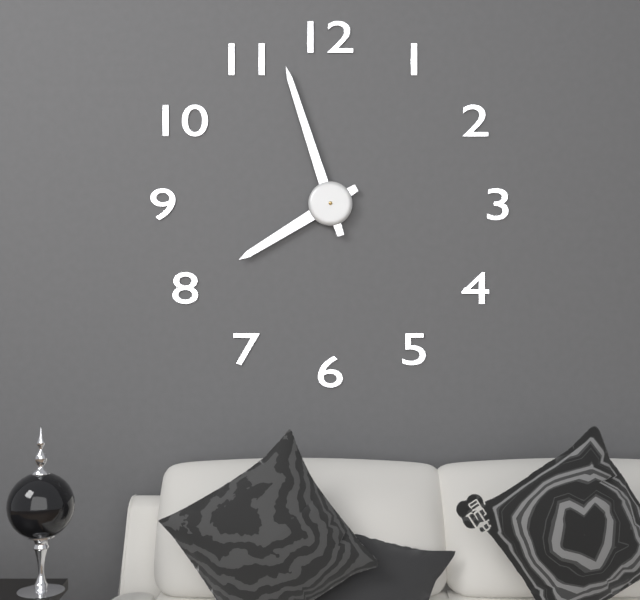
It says 7:57
